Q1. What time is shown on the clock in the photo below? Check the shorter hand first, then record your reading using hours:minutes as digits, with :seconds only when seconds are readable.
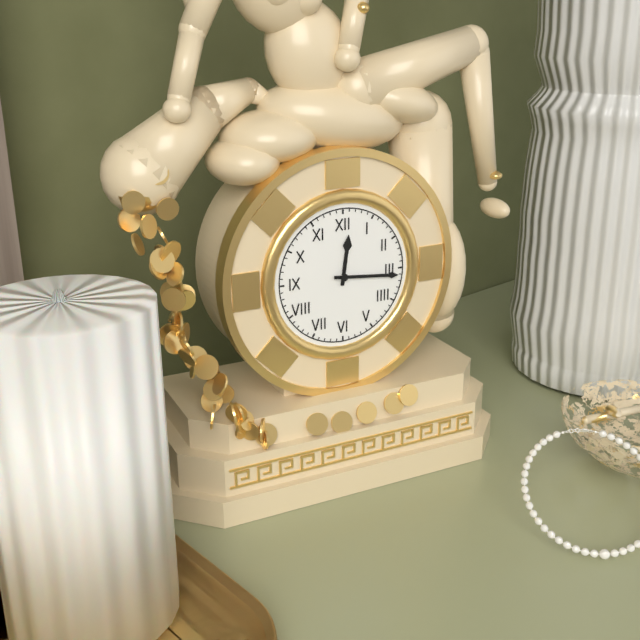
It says 12:16
